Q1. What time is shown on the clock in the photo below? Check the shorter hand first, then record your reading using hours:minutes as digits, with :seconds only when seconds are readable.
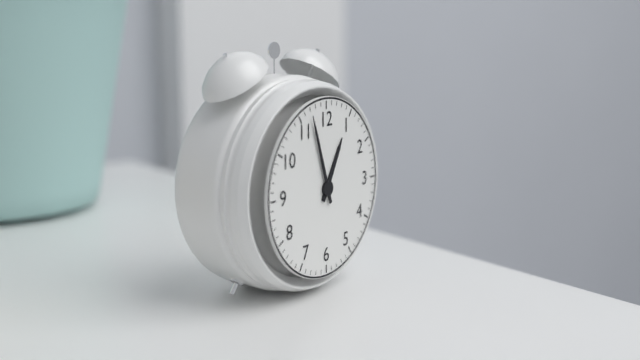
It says 12:57
